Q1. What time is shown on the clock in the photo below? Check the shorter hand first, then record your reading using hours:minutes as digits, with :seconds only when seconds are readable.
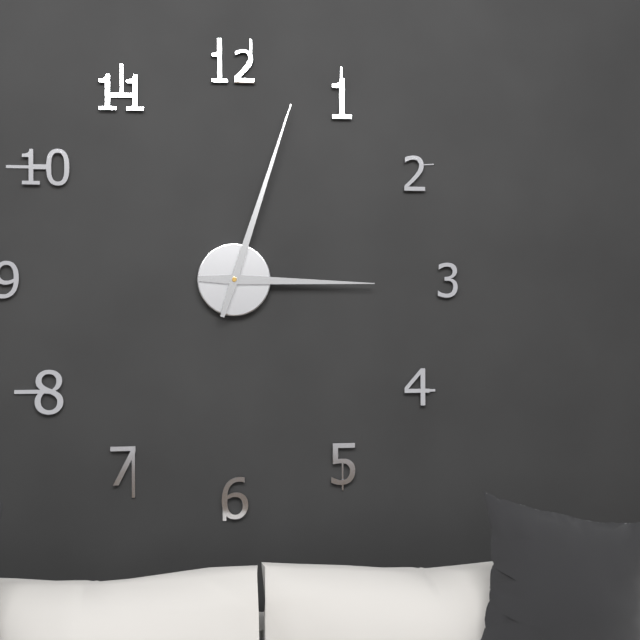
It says 3:03
